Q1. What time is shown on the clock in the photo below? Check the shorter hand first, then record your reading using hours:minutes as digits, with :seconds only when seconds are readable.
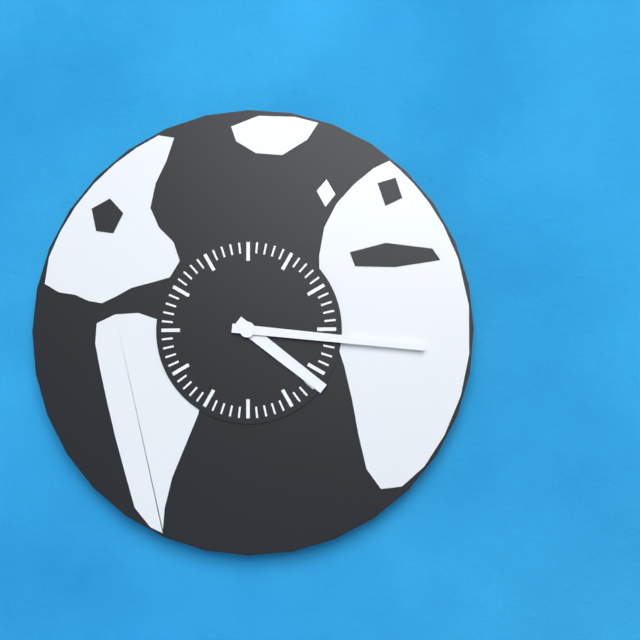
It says 4:16
